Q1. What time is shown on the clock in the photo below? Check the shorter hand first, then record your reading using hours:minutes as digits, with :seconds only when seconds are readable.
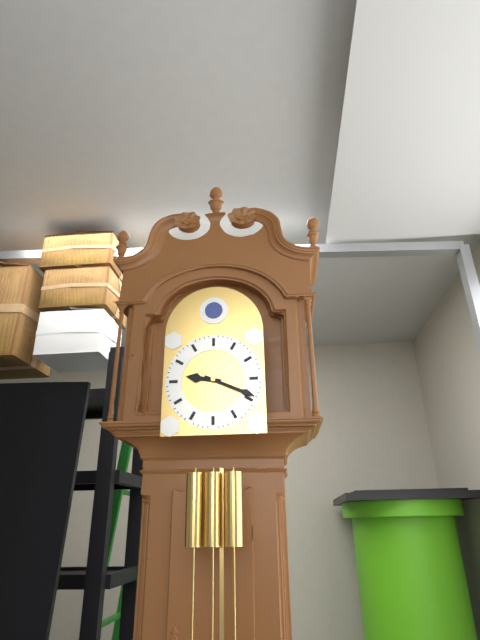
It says 9:19
